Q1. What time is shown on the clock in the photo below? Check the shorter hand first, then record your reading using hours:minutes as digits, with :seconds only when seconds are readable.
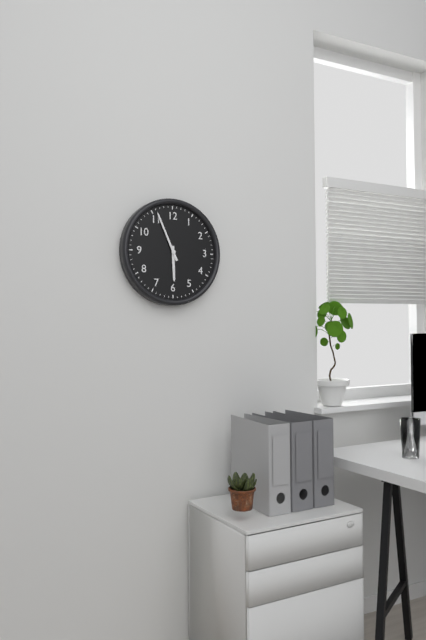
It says 5:56
